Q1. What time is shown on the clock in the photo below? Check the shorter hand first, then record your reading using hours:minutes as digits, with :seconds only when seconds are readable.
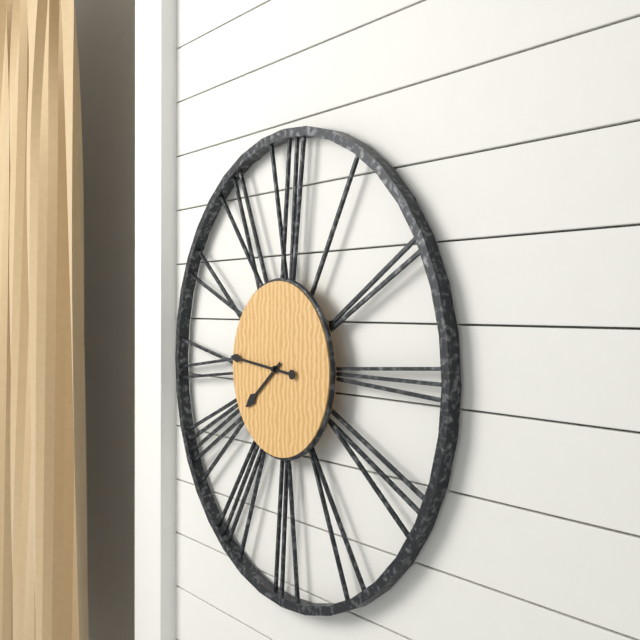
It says 7:46
